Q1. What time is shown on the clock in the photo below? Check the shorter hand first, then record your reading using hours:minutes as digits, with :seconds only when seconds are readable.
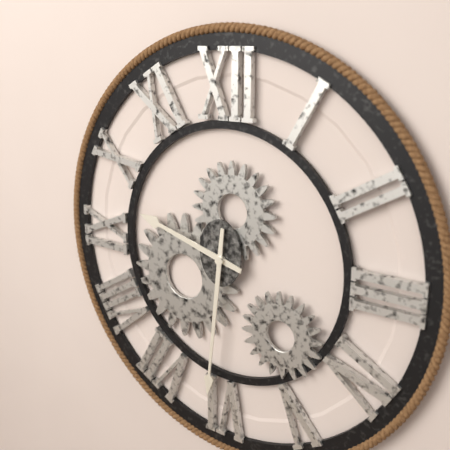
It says 9:31
